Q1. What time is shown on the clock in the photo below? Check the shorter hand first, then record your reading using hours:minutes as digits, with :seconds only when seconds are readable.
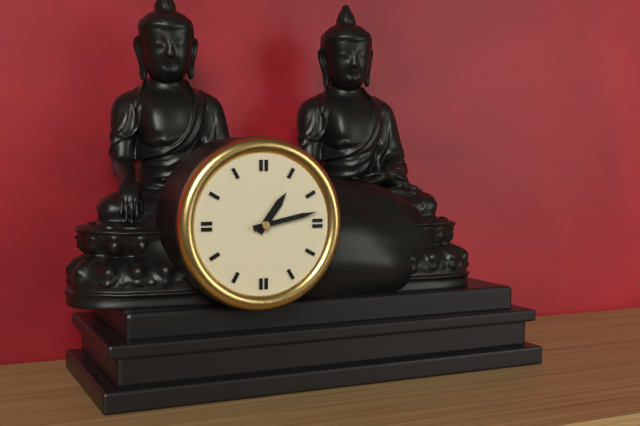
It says 1:13
